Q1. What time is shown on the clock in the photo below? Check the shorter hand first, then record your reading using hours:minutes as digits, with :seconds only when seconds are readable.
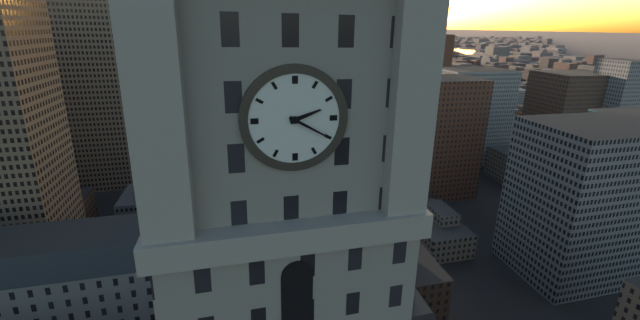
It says 2:20
